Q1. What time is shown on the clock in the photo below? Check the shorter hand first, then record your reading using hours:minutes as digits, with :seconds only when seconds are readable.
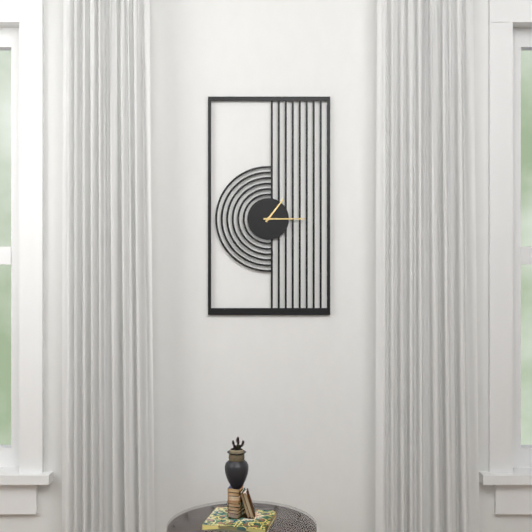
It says 1:15
